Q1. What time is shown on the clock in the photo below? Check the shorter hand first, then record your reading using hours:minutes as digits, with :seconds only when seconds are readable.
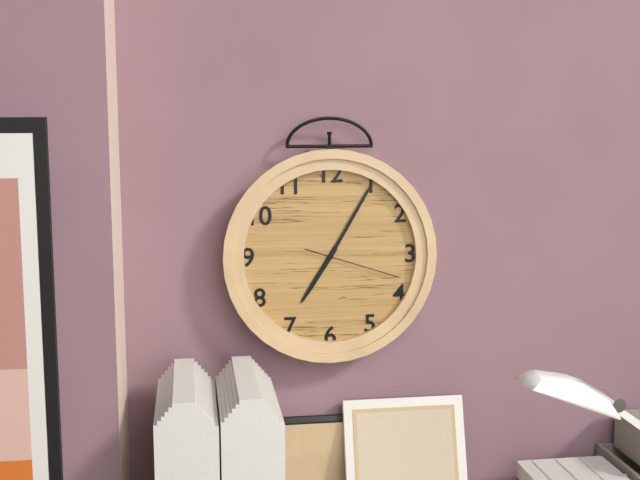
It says 7:05:18
